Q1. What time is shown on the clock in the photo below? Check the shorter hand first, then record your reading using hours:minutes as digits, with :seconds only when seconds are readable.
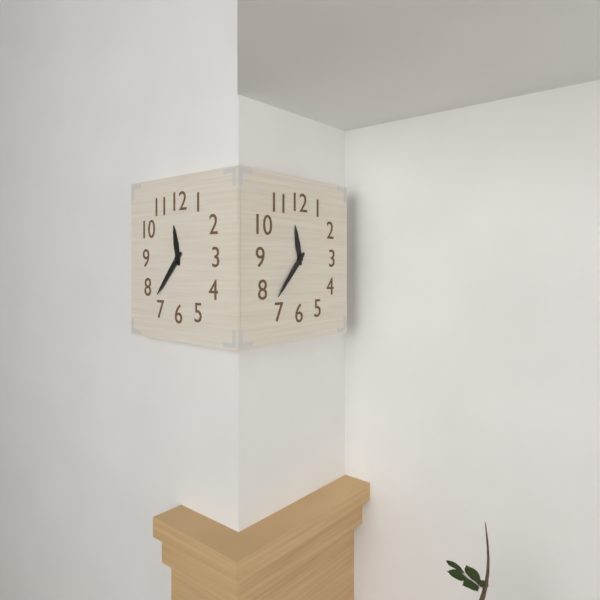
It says 11:37
